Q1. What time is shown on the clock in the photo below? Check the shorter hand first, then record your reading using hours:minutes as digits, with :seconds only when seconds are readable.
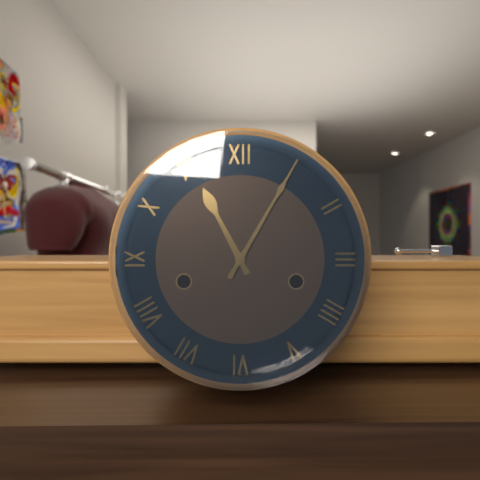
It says 11:05
